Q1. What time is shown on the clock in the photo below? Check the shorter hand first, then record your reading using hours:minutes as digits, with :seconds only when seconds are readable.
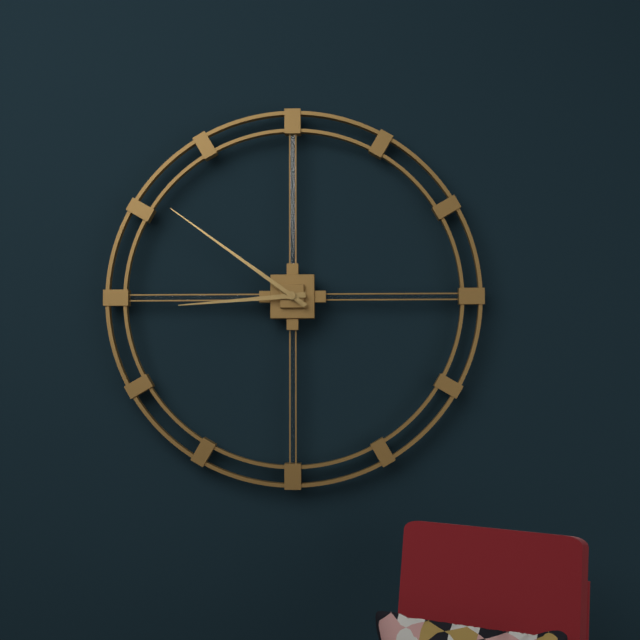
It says 8:51
